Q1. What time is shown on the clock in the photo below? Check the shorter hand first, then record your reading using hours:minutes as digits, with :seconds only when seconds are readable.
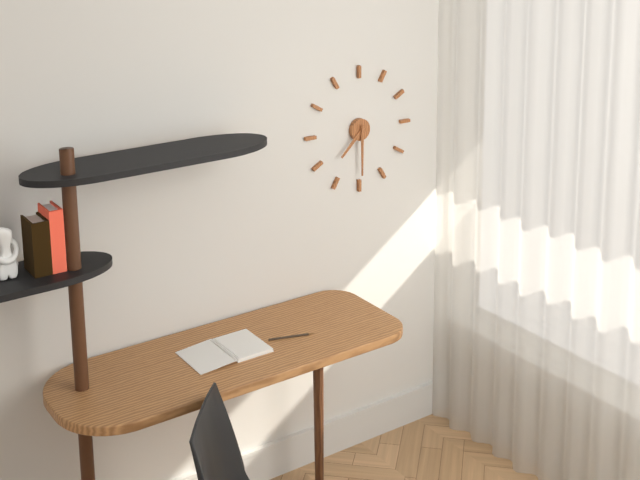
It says 7:30
